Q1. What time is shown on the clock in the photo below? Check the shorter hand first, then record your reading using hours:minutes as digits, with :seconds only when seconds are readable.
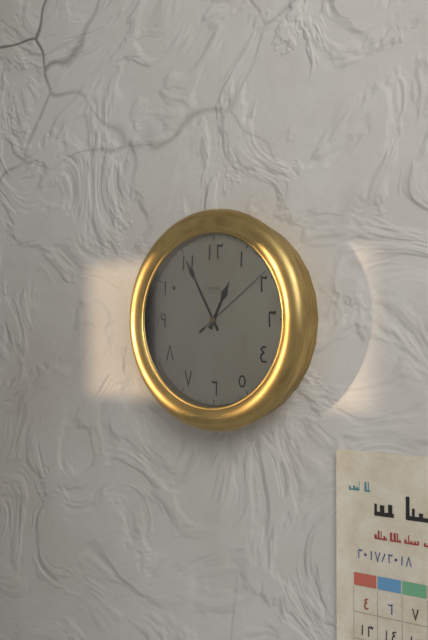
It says 12:55:09
